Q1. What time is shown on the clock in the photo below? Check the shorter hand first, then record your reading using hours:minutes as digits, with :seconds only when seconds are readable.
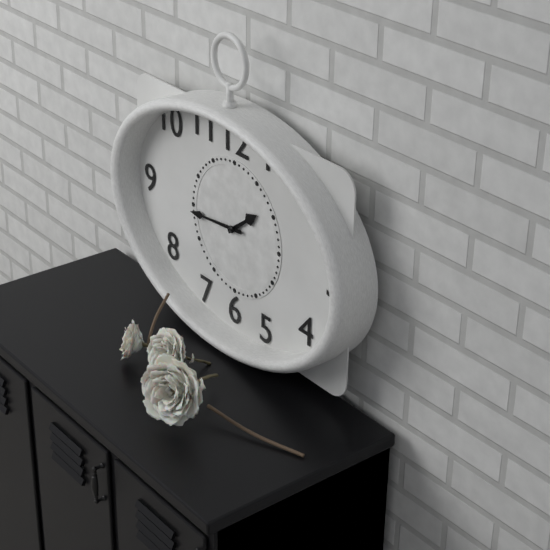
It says 1:44
